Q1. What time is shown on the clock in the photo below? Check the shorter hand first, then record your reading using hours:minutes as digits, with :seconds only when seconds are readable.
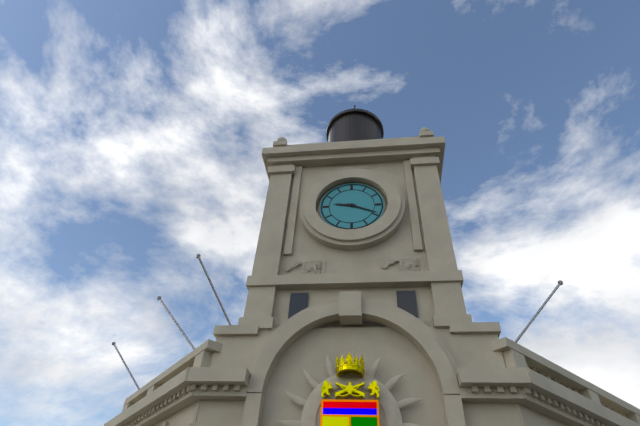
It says 9:19
